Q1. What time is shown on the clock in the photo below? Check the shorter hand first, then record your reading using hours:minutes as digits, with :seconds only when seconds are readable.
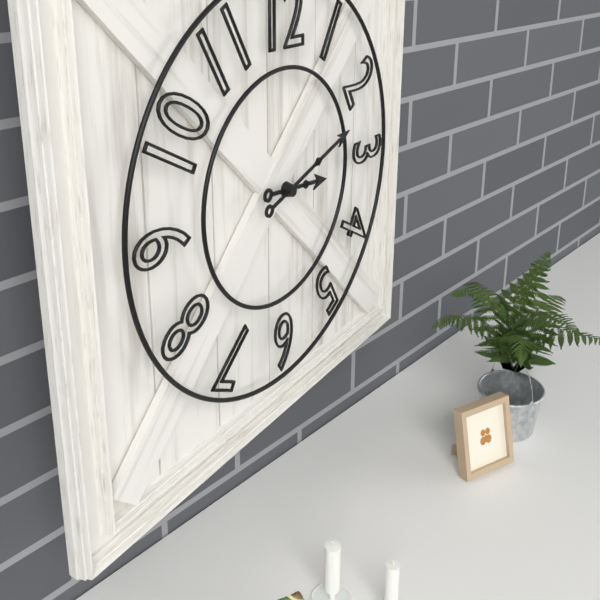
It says 3:12
